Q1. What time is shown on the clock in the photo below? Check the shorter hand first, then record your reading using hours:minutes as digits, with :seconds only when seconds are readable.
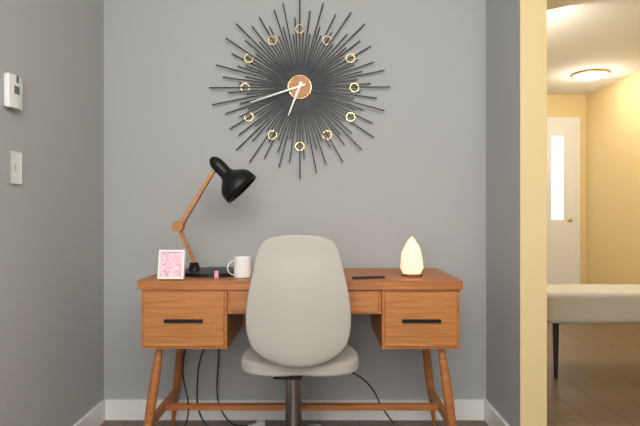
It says 6:42
